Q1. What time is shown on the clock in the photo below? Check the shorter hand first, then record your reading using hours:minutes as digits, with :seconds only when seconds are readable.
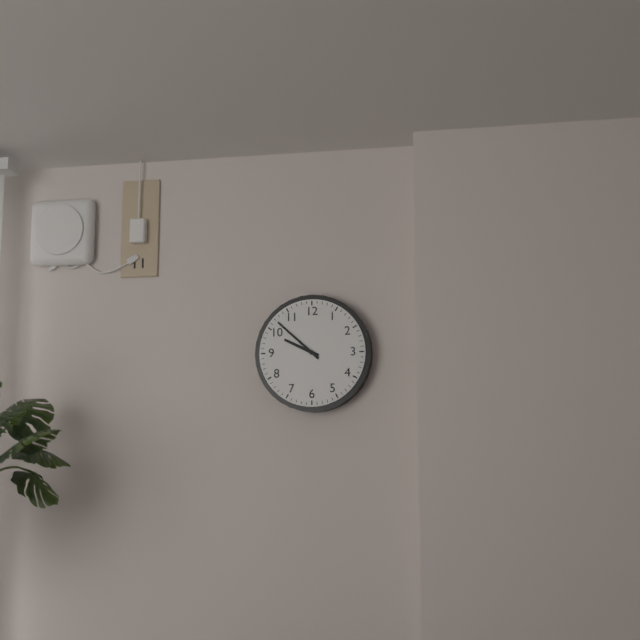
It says 9:52
